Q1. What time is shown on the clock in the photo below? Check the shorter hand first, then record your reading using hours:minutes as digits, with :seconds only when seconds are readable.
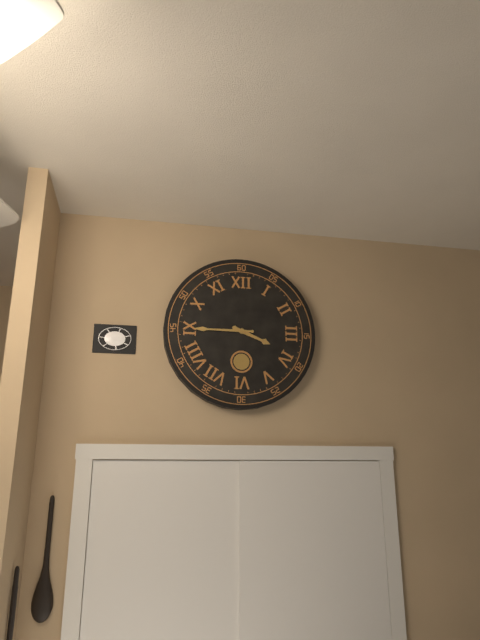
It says 3:45
